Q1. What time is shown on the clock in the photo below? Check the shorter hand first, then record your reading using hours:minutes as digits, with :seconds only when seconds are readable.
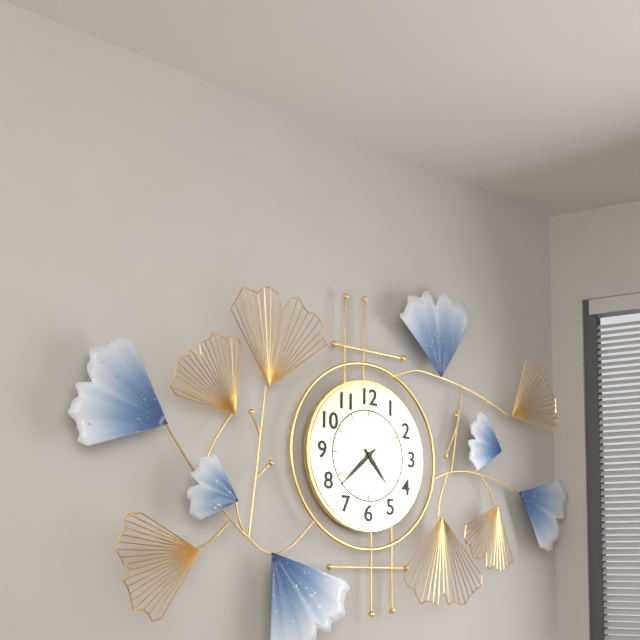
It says 4:38
